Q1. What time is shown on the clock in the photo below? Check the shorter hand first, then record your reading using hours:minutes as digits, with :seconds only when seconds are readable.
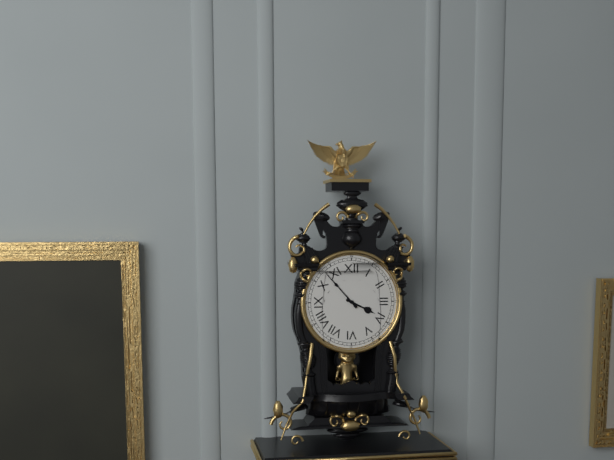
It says 3:53
